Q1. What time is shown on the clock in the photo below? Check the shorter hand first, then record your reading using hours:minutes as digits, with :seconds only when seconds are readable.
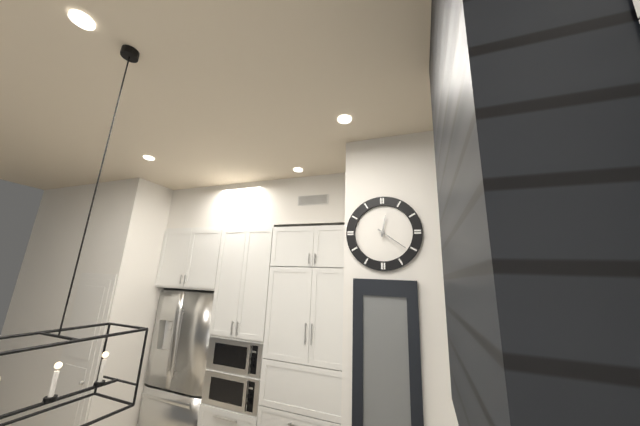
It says 12:21
